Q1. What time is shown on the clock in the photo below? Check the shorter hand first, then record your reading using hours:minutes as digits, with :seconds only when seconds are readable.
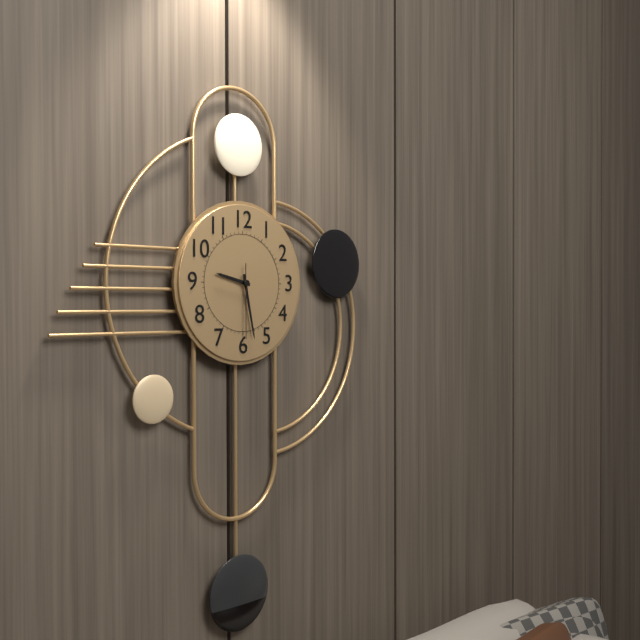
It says 9:28:30
